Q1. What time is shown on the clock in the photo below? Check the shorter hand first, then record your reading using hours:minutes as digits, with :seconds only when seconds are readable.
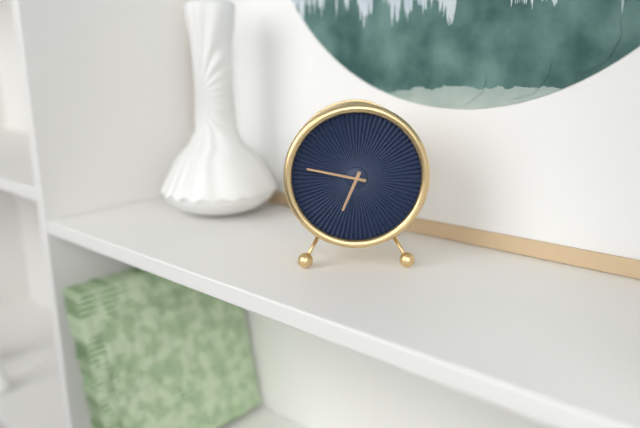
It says 6:47
